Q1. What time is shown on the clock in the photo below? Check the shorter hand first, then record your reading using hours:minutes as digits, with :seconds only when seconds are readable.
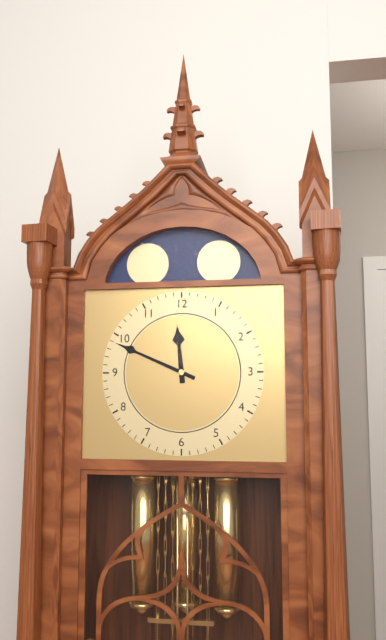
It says 11:49
